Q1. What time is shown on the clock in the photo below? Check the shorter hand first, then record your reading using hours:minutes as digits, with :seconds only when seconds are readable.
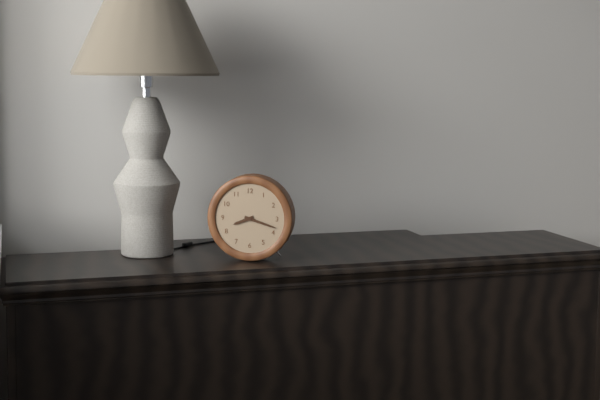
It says 8:18
